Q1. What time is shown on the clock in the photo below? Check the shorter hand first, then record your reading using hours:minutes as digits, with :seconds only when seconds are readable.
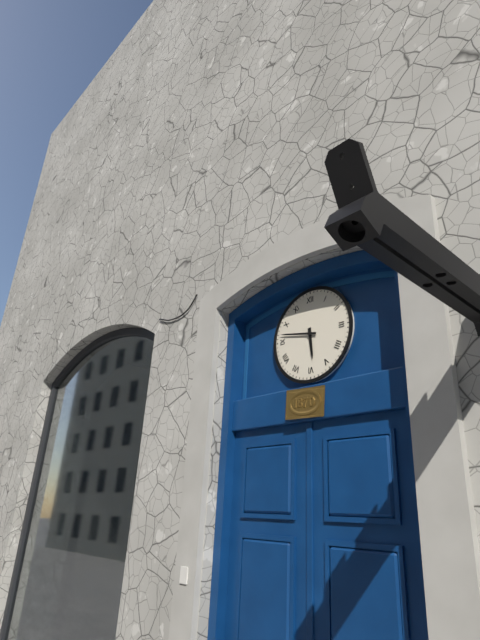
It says 5:47
